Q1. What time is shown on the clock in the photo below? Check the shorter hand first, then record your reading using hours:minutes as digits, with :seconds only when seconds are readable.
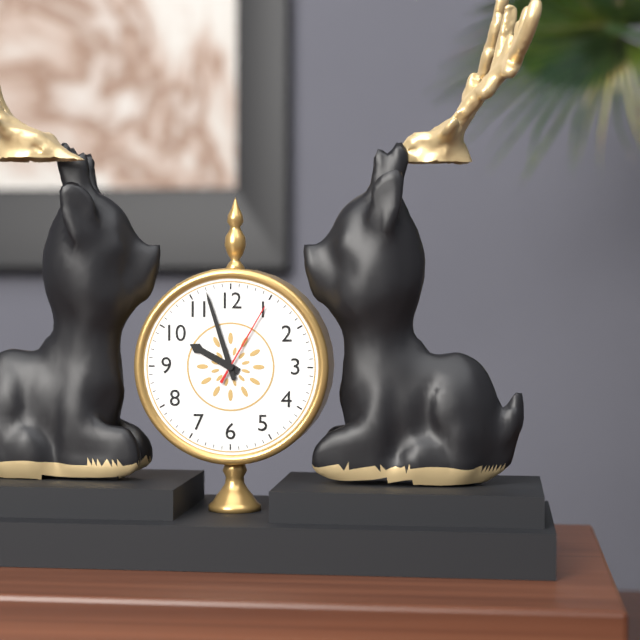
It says 9:57:05
